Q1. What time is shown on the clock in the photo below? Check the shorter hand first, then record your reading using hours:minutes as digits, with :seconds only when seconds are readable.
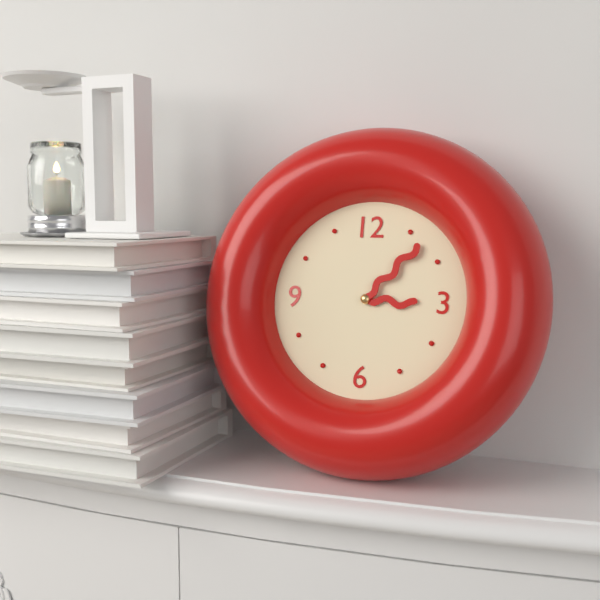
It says 3:07
